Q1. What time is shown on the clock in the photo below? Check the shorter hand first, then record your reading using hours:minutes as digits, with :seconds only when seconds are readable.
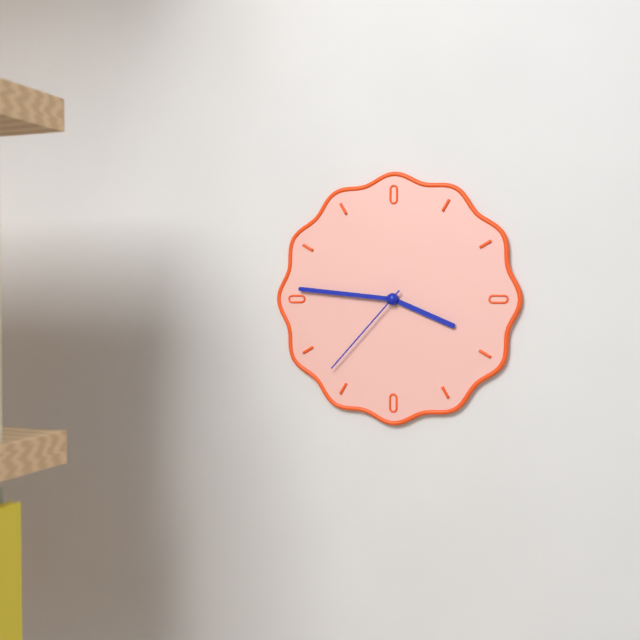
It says 3:46:37
